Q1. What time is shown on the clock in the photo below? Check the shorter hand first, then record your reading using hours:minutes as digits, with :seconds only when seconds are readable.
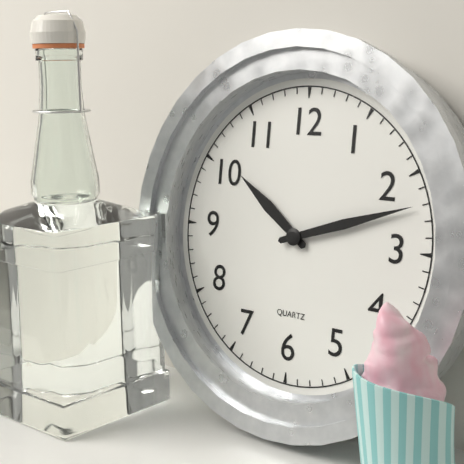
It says 10:12
